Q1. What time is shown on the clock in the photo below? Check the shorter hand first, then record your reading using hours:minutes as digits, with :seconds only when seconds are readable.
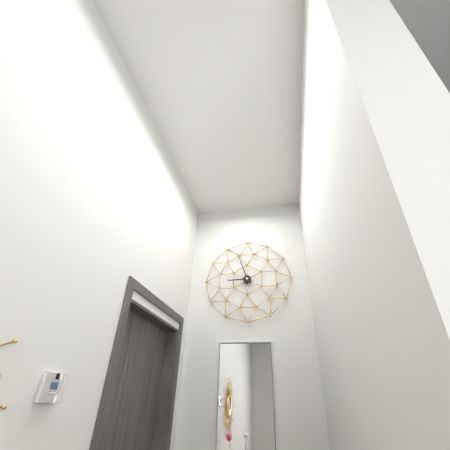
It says 8:57
